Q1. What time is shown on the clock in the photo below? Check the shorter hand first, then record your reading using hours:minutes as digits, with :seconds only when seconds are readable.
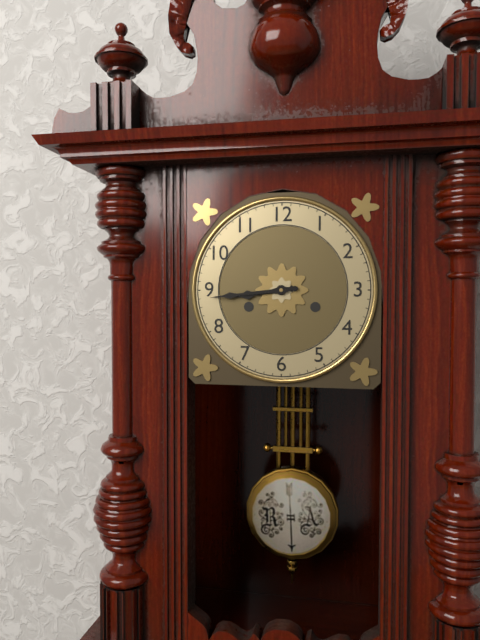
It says 8:44
